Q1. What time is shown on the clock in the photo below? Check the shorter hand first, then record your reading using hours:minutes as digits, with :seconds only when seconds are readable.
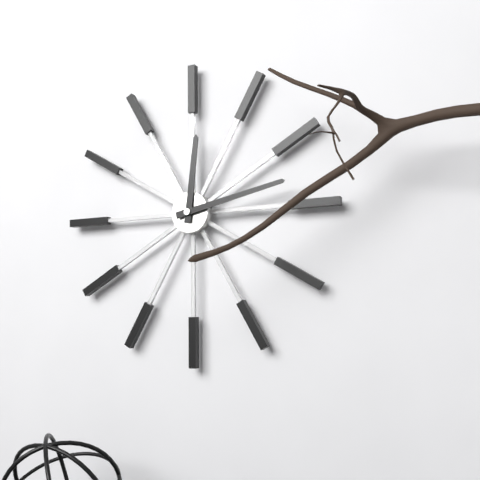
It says 12:13
